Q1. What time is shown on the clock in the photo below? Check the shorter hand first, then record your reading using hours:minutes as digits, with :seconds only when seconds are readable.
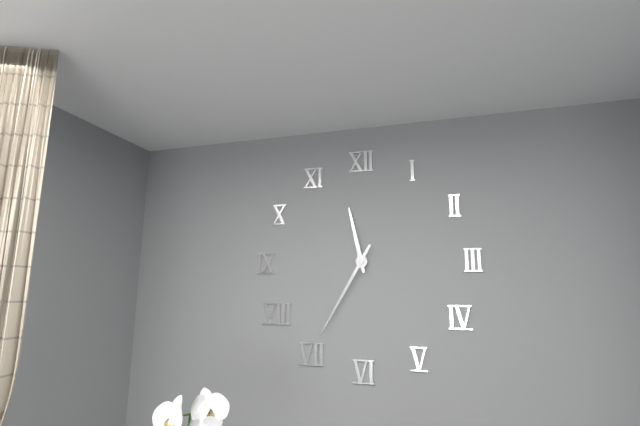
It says 11:35
